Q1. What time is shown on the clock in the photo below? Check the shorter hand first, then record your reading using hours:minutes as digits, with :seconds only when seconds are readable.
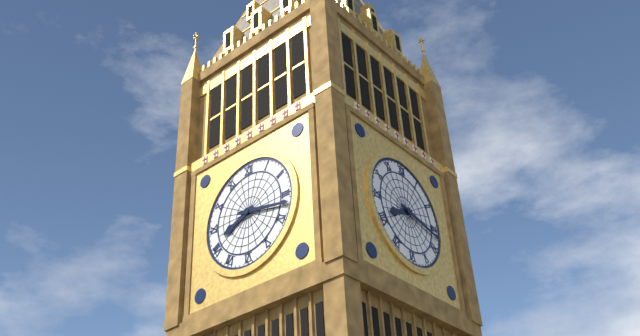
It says 8:17
